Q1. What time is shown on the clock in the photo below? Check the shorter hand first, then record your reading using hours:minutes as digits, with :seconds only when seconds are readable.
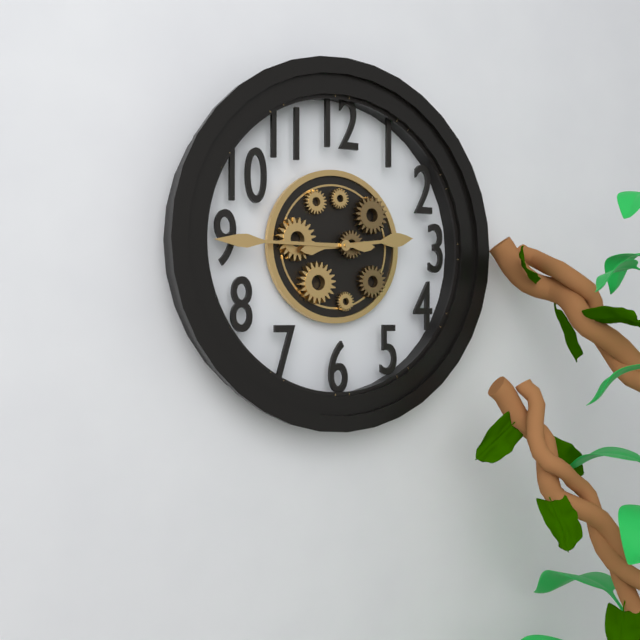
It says 2:45
